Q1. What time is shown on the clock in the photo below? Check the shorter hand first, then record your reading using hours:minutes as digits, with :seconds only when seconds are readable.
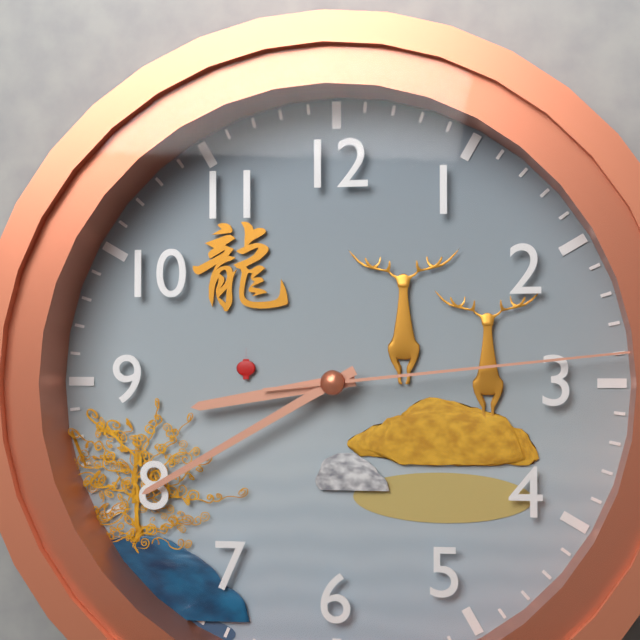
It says 8:40:14
